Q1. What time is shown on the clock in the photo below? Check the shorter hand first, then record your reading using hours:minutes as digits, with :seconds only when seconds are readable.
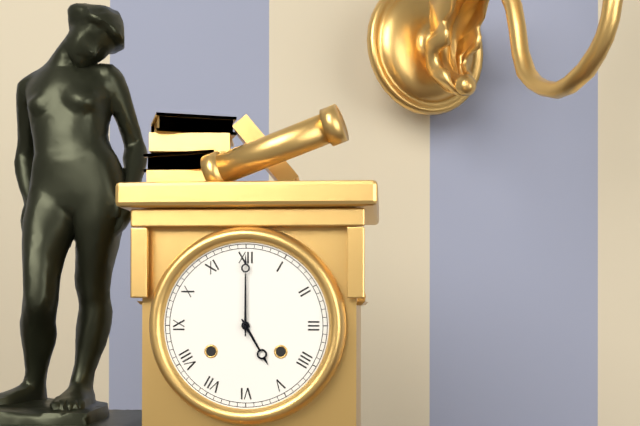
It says 5:00
